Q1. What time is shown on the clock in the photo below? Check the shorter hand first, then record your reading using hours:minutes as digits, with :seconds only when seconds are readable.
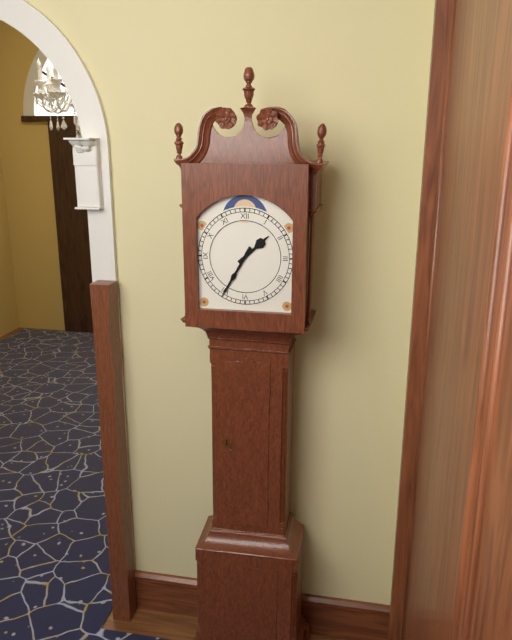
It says 1:35
